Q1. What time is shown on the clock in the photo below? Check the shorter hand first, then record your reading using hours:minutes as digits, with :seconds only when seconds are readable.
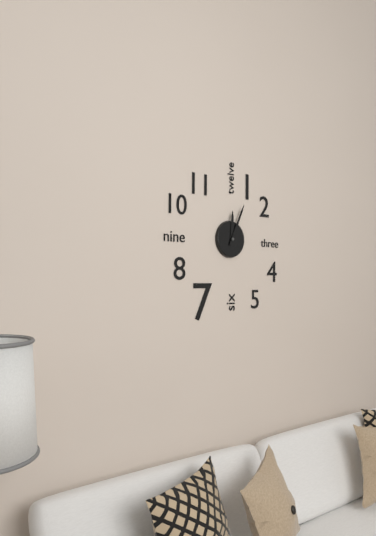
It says 12:04
